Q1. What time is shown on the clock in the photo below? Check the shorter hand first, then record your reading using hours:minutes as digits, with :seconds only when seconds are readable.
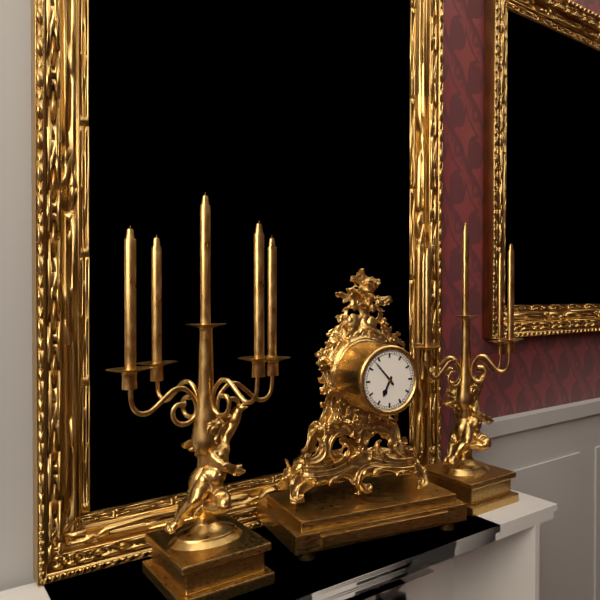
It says 6:53
